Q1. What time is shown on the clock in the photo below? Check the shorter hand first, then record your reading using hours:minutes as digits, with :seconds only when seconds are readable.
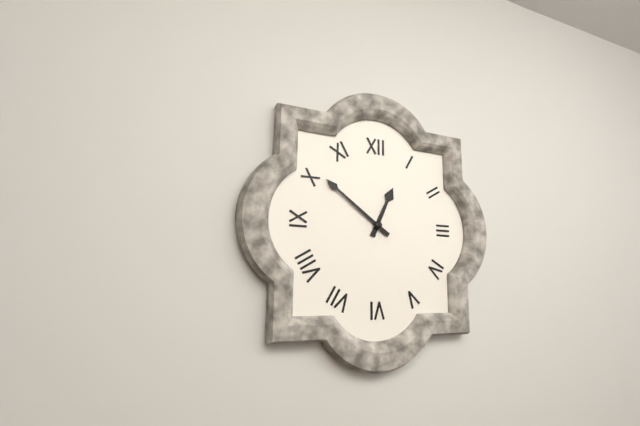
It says 12:51
